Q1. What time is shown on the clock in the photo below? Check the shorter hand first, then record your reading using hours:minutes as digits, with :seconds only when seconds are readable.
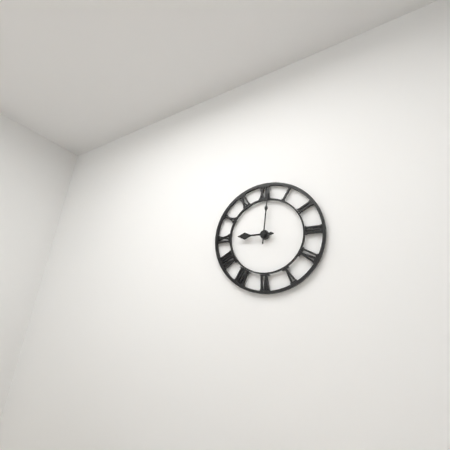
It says 9:01
